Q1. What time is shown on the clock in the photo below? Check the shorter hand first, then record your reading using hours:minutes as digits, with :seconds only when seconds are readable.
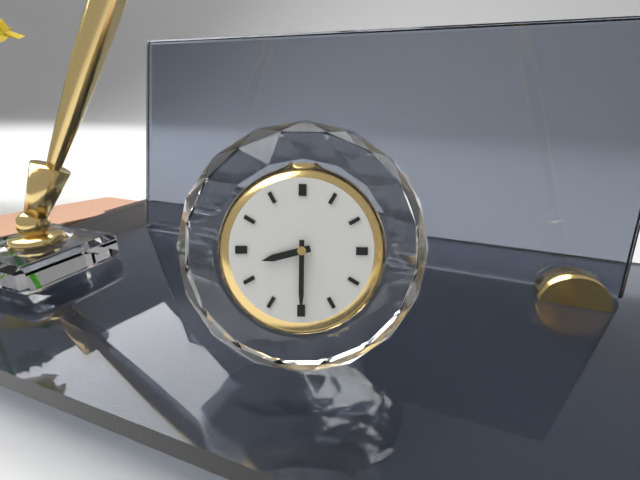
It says 8:30
